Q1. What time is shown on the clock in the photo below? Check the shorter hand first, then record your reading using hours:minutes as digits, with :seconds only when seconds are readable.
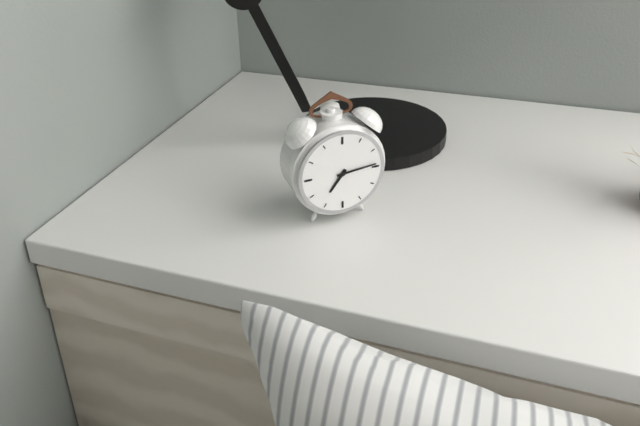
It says 7:14
